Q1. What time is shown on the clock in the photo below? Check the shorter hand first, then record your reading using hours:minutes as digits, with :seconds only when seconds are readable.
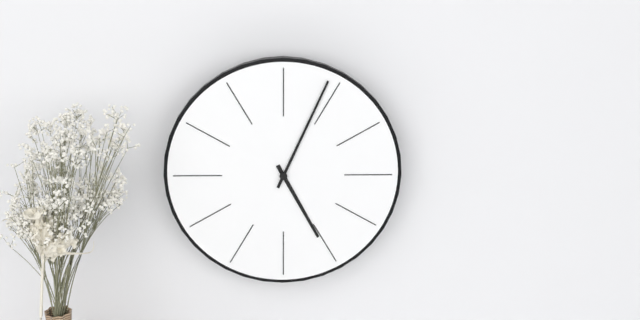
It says 5:04
